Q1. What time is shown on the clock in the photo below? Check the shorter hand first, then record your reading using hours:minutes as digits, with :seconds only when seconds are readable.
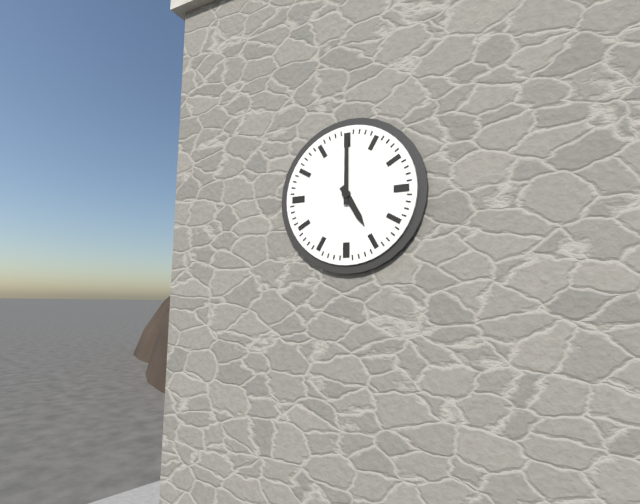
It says 5:00
